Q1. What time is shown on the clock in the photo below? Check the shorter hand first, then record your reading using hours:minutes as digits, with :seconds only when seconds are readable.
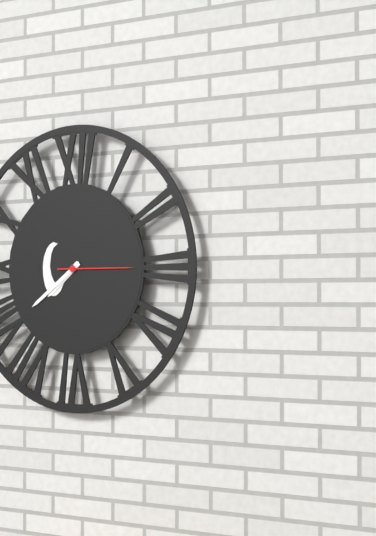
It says 7:39:15
